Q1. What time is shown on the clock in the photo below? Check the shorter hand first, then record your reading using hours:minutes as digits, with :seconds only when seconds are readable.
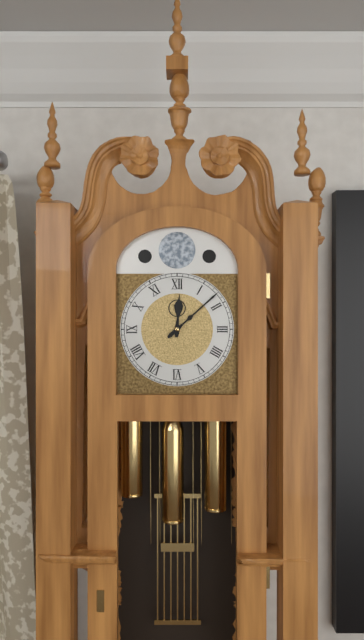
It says 12:08
